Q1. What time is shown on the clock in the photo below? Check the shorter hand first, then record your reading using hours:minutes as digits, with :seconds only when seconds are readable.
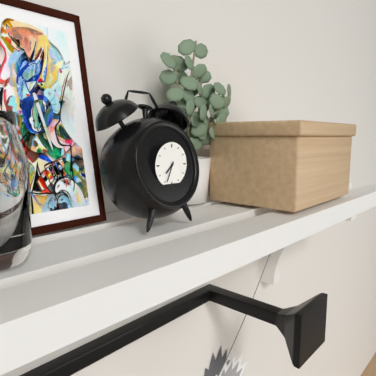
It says 7:34
